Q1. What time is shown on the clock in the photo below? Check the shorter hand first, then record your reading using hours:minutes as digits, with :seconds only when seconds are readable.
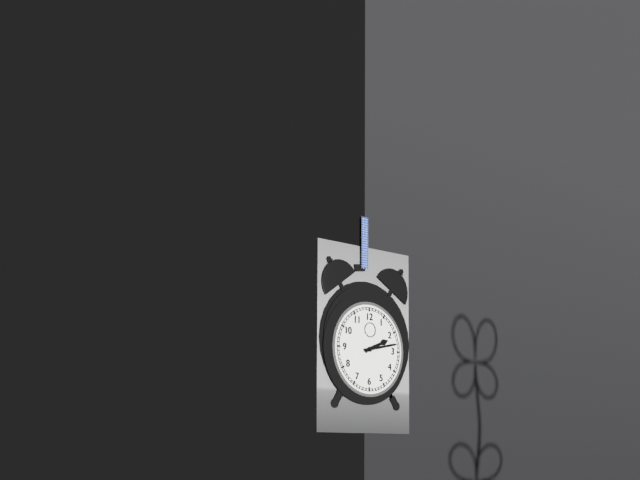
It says 2:13
